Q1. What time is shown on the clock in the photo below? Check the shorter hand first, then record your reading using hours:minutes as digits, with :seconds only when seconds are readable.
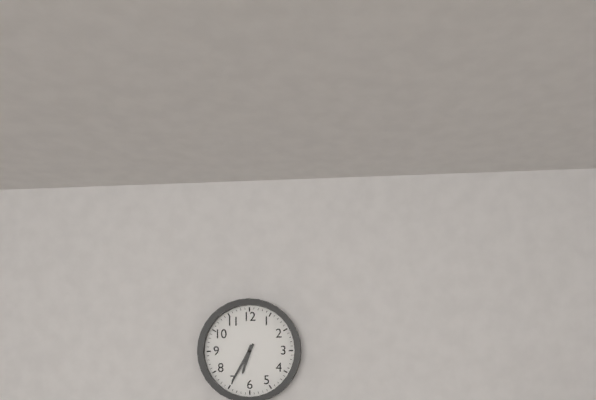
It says 6:35
